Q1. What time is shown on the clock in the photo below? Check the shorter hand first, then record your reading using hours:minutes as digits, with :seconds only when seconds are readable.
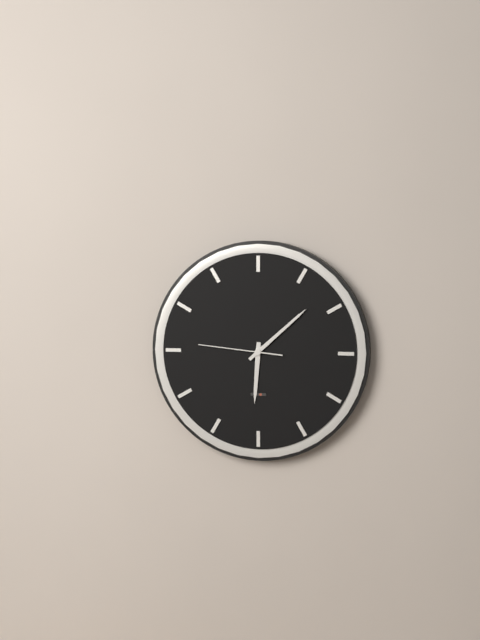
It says 6:08:46
